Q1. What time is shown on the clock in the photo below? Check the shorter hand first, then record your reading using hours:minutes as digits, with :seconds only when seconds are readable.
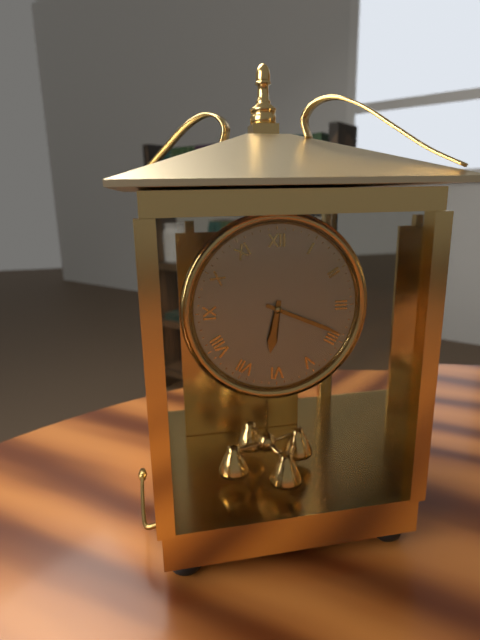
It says 6:19
